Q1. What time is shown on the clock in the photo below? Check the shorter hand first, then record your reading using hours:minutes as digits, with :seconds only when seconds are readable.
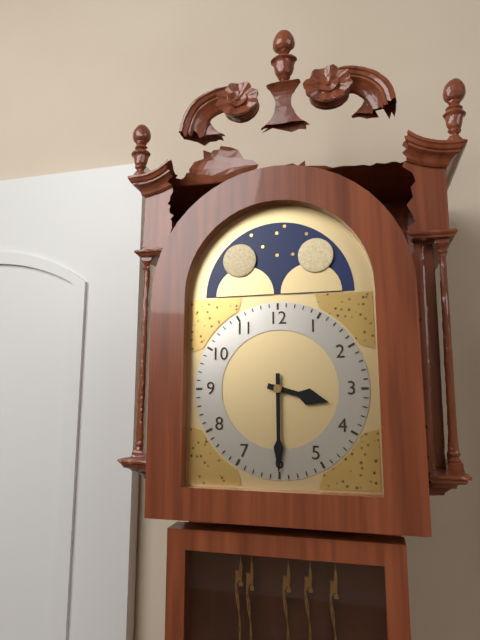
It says 3:30
